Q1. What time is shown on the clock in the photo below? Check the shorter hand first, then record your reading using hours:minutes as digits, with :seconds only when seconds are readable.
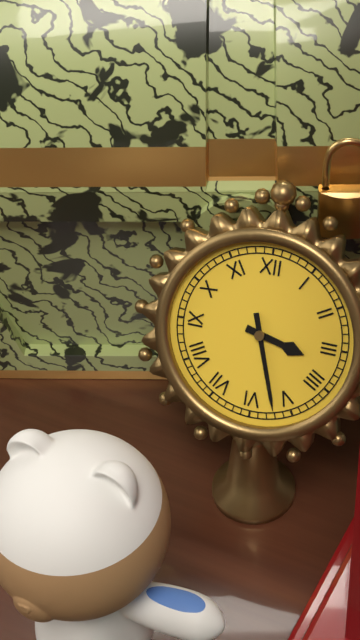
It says 3:27
